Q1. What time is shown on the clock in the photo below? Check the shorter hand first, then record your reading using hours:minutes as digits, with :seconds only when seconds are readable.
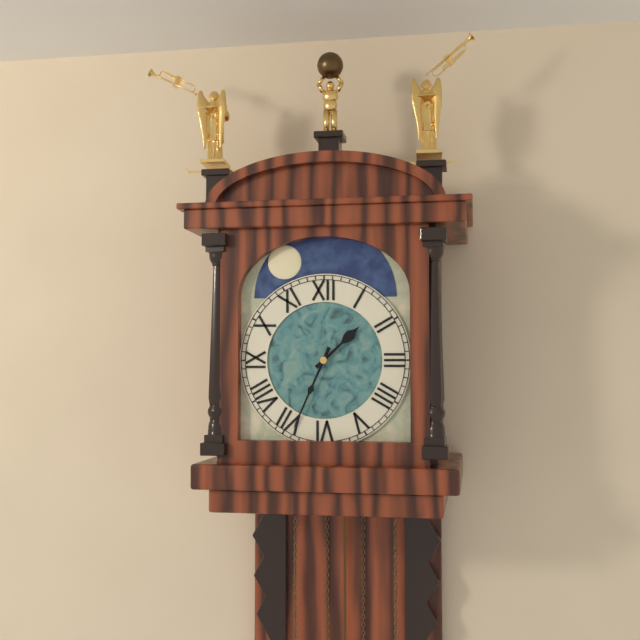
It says 1:34
